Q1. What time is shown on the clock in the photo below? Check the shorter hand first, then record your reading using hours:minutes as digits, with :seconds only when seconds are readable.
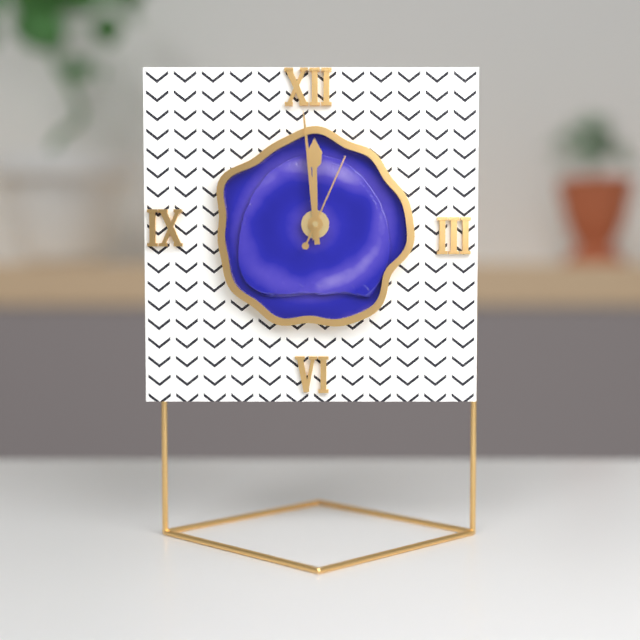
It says 11:59:04
